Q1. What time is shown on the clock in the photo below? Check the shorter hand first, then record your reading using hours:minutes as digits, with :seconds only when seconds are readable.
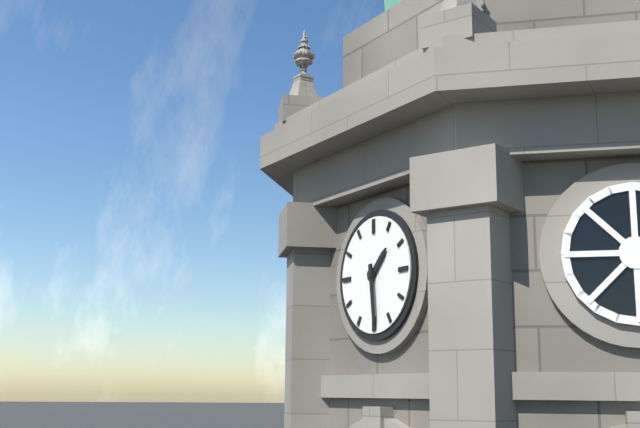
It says 1:29
